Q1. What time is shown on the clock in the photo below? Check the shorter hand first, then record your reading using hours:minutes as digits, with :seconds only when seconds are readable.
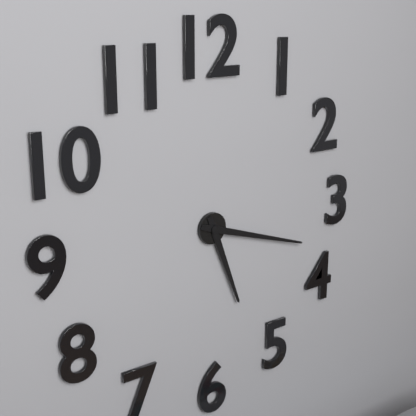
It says 5:18
